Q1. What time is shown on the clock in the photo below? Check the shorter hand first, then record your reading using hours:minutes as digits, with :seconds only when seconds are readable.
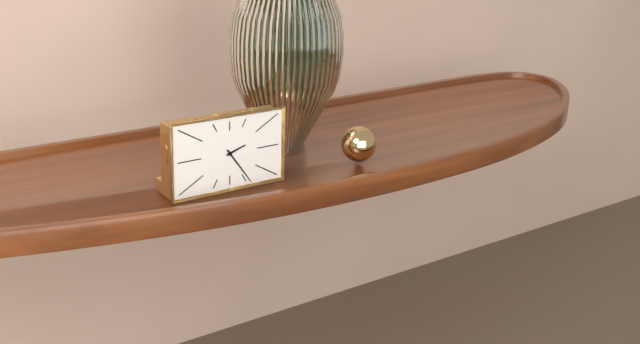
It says 2:24
